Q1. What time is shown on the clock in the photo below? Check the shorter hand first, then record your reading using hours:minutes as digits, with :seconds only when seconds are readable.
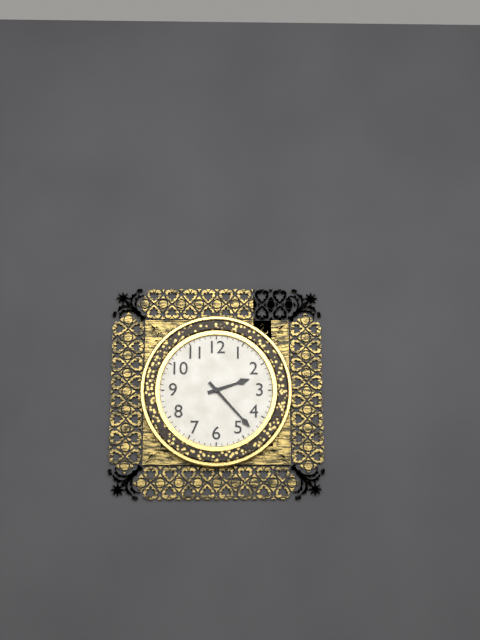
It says 2:23
